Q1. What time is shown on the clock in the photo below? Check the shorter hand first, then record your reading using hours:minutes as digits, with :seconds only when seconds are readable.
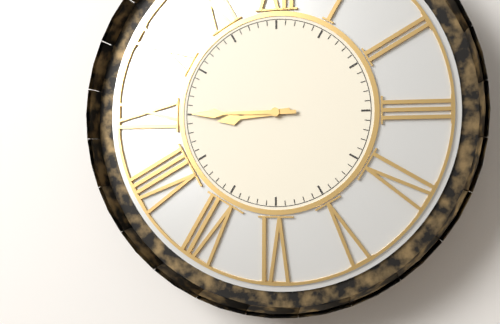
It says 8:45
